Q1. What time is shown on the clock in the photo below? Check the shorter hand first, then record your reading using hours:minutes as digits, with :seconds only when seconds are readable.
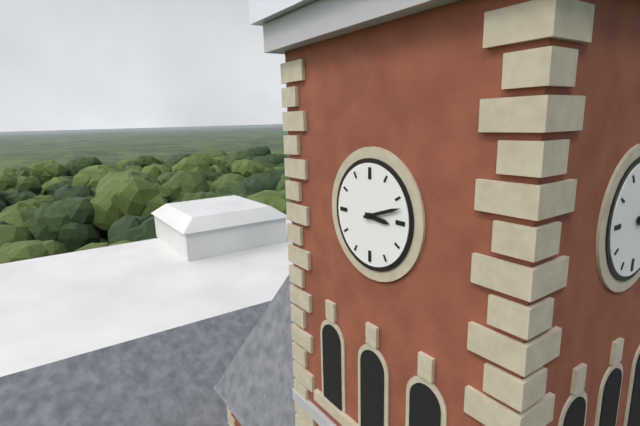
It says 3:12
